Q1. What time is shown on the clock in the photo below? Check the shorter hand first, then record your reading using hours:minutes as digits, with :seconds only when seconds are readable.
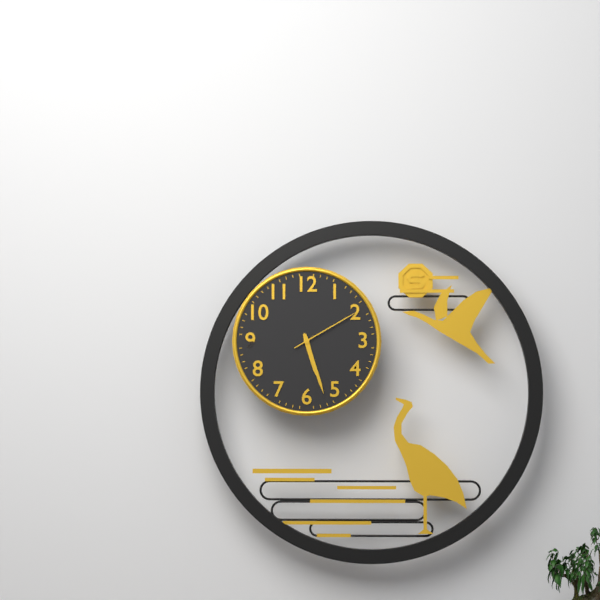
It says 5:27:10
